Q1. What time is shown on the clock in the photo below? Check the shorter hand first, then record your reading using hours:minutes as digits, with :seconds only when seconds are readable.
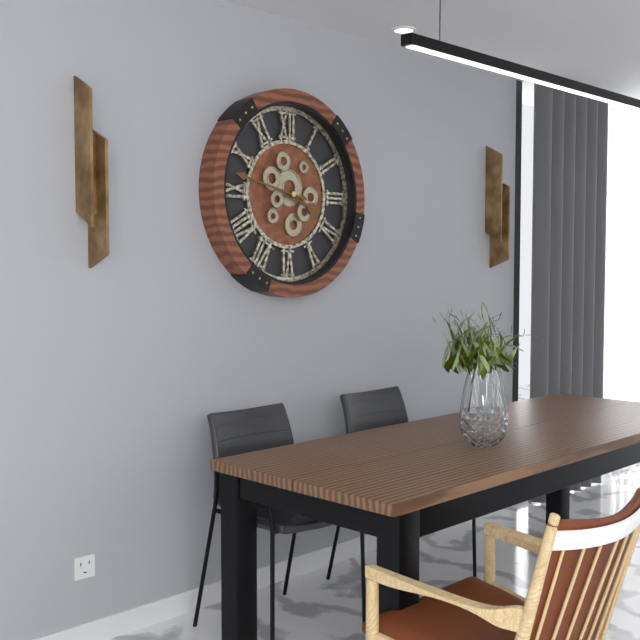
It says 3:47
